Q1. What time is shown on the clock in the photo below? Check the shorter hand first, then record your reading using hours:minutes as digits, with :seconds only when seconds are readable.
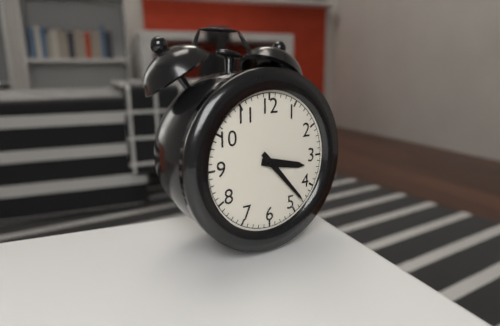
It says 3:23
